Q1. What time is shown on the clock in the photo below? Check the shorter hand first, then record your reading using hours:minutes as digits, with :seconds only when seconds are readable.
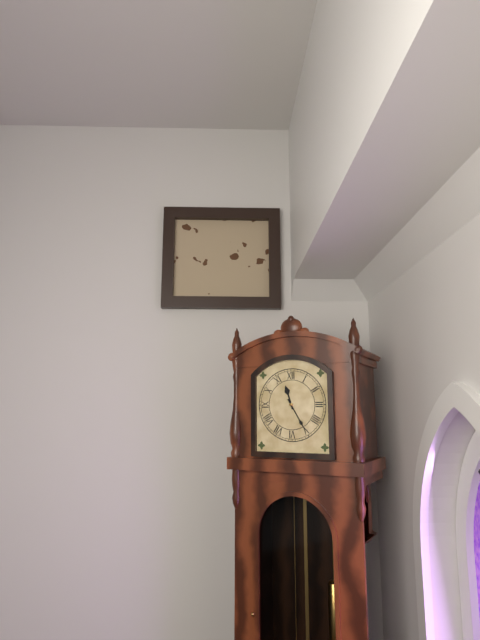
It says 11:25
